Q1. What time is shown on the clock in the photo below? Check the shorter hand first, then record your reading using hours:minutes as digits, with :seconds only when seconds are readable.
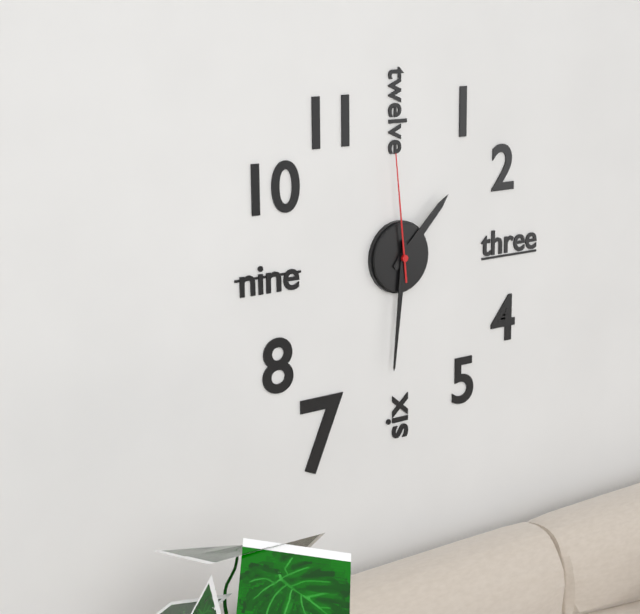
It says 1:31:59
